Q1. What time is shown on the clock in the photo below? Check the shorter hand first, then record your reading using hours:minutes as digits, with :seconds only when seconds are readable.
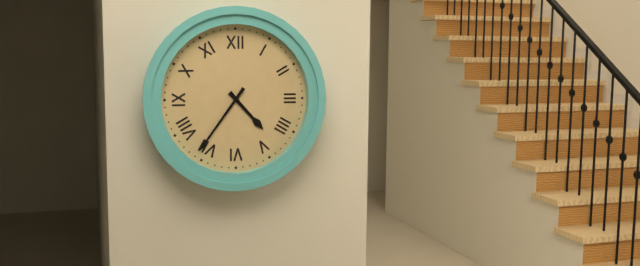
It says 4:36
